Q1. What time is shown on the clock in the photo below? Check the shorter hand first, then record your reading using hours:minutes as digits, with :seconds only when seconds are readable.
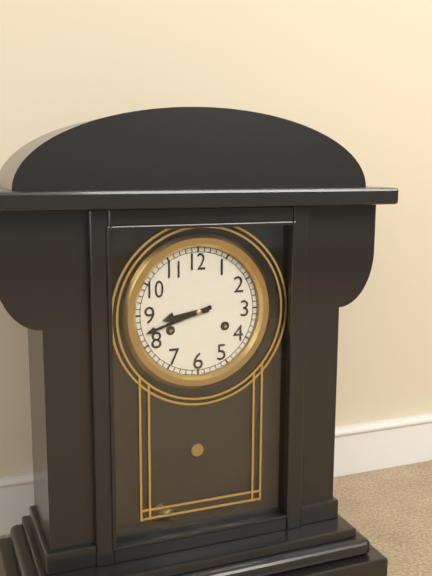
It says 8:42
